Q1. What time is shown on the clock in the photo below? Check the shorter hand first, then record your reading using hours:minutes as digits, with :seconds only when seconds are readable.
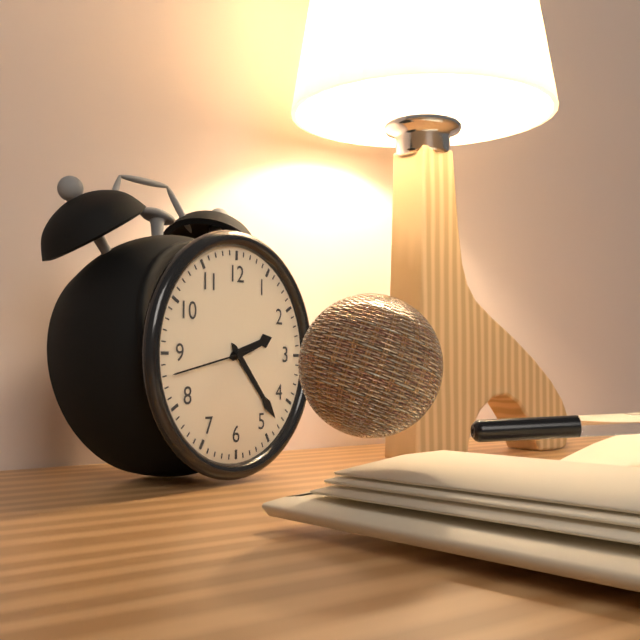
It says 2:23:43
